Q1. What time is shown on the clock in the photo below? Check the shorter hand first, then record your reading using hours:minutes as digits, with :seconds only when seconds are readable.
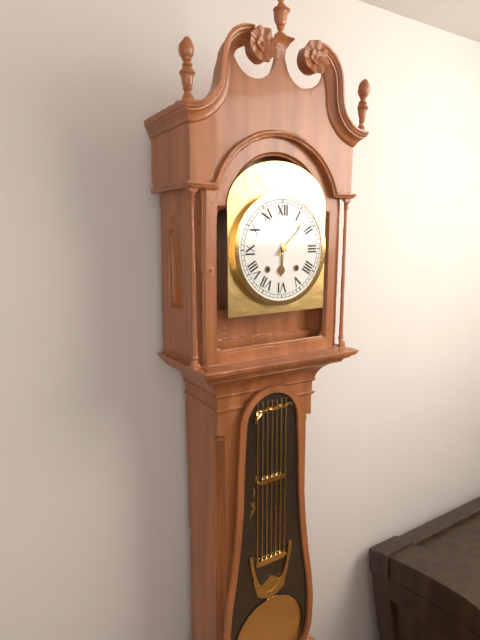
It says 6:08
